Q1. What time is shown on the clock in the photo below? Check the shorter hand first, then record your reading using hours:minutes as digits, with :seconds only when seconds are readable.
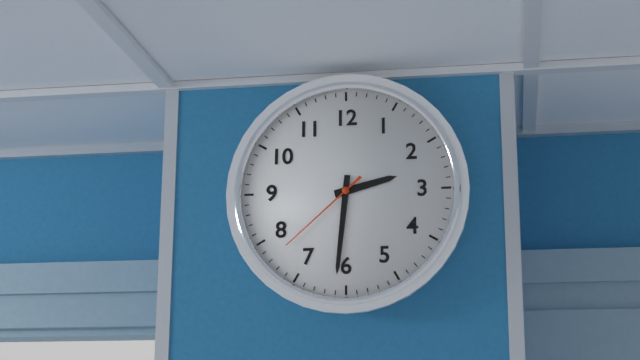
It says 2:31:38
